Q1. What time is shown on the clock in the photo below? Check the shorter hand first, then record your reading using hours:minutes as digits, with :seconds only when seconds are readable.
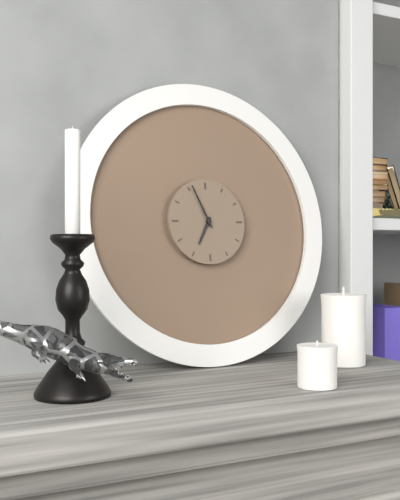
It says 6:56
